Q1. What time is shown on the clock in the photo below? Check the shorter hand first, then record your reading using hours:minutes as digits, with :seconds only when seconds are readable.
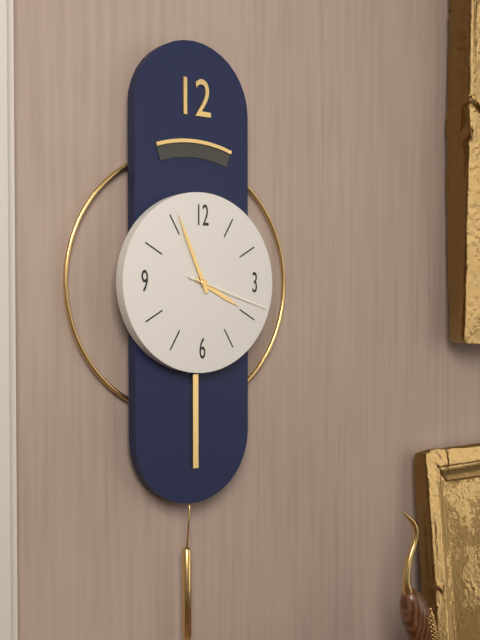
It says 3:56:18
